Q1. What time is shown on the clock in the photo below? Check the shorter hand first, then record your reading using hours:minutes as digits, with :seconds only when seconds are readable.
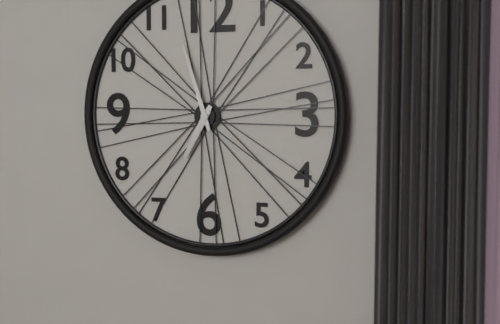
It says 6:57
